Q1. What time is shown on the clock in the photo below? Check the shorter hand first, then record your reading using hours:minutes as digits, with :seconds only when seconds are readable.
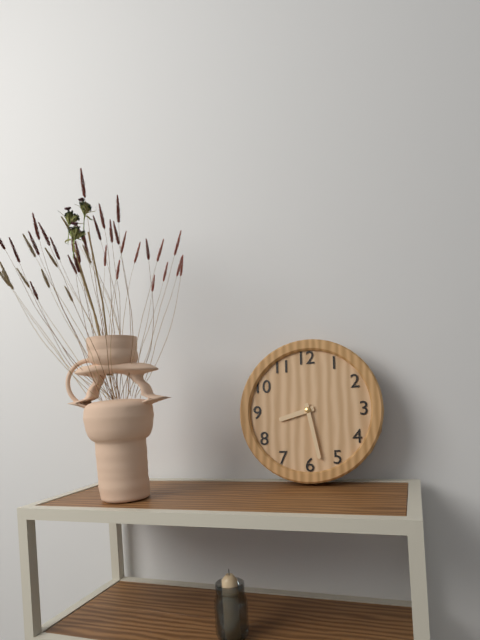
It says 8:28
